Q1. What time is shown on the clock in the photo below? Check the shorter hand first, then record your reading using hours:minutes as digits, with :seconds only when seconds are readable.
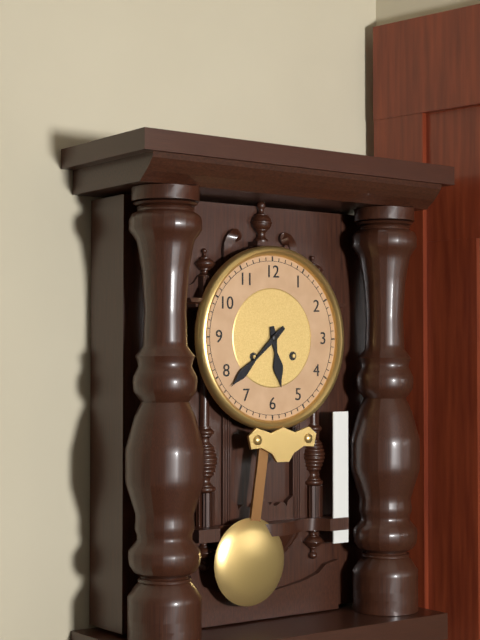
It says 5:38
